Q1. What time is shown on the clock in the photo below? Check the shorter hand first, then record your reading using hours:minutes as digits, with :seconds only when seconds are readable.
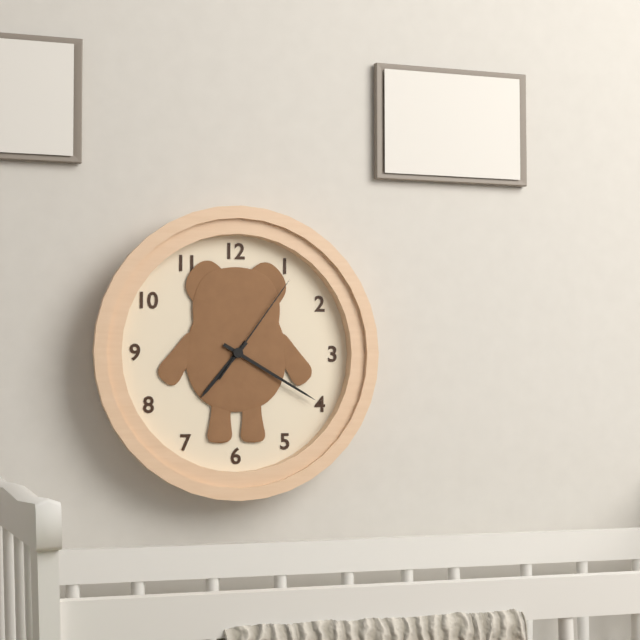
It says 7:20:06
